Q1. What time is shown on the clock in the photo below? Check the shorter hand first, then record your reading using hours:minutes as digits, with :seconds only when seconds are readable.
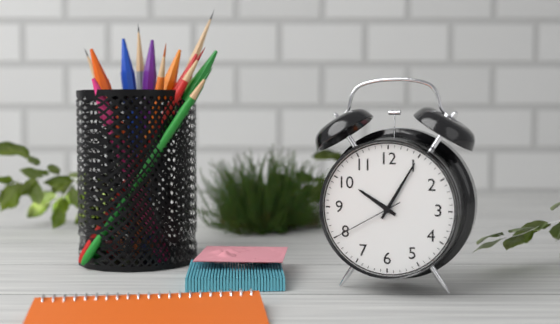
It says 10:05:40
